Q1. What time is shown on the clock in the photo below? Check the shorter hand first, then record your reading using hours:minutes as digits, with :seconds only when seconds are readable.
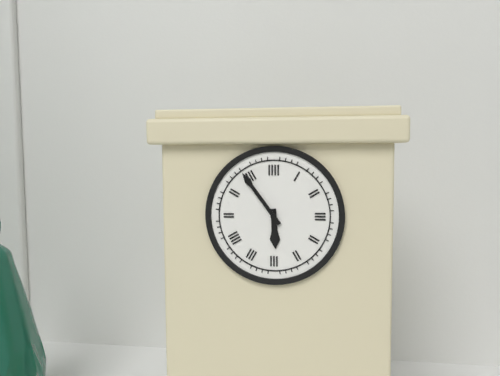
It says 5:54
